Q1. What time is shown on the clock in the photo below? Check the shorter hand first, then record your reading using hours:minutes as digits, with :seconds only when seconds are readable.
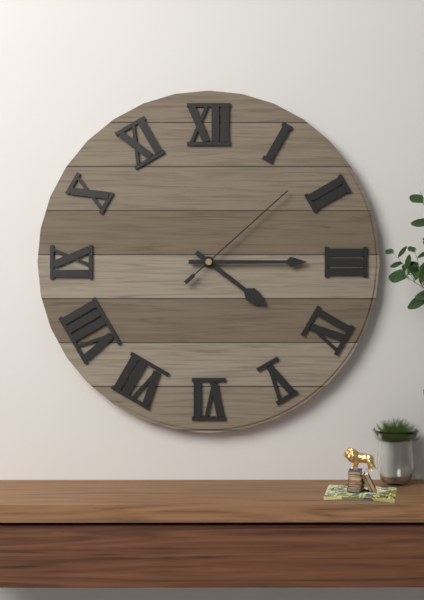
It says 4:15:08
